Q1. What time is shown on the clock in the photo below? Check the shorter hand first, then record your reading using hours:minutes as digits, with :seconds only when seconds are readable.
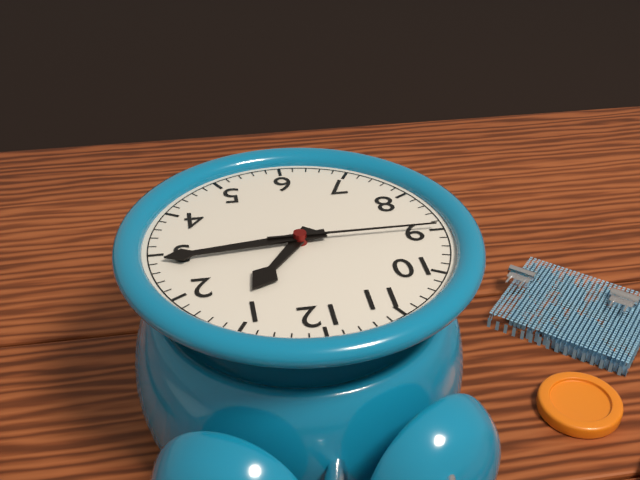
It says 1:14:45
